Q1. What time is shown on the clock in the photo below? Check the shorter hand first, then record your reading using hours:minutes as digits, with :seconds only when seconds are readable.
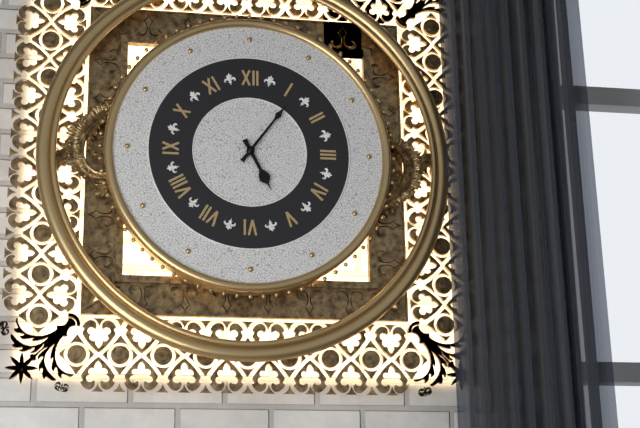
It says 5:06
